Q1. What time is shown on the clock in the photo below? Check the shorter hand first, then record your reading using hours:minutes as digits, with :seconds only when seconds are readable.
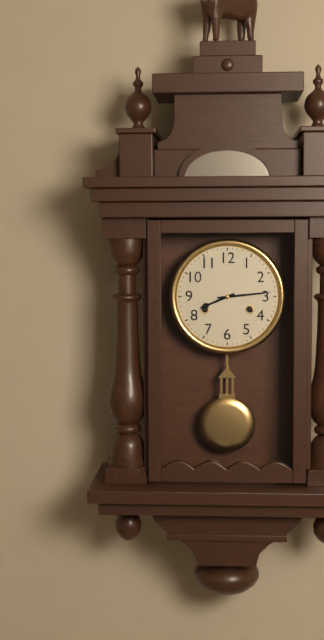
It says 8:14
